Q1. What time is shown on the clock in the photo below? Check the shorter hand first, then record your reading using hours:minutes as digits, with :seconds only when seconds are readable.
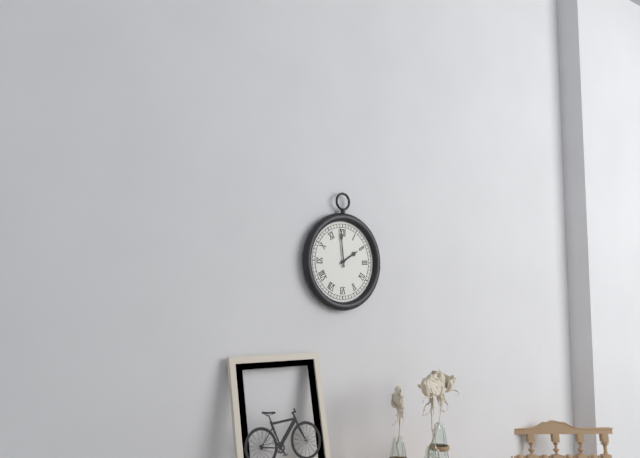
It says 1:59
